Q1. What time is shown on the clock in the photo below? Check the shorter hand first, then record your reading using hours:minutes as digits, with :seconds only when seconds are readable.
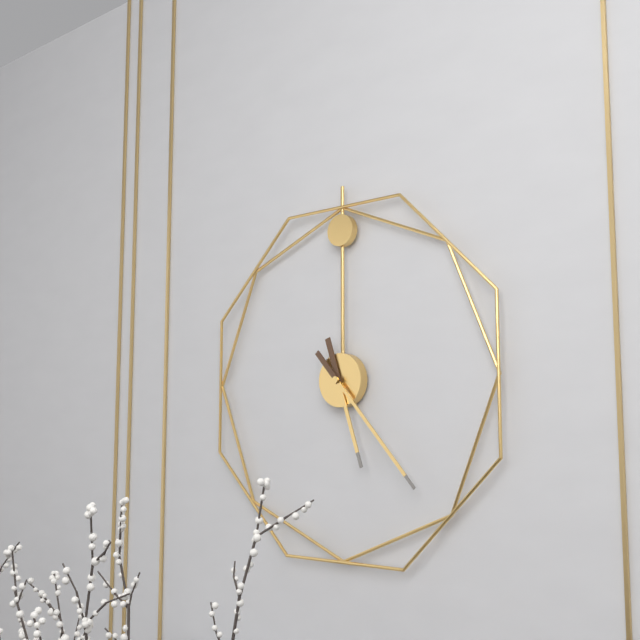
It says 5:23
